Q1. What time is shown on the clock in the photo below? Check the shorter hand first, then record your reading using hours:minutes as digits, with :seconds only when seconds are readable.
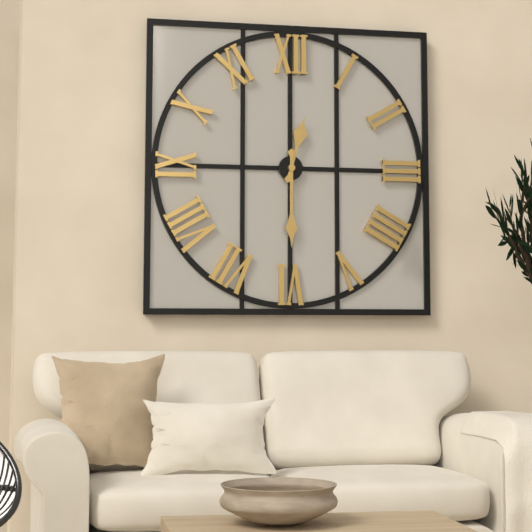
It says 12:30
